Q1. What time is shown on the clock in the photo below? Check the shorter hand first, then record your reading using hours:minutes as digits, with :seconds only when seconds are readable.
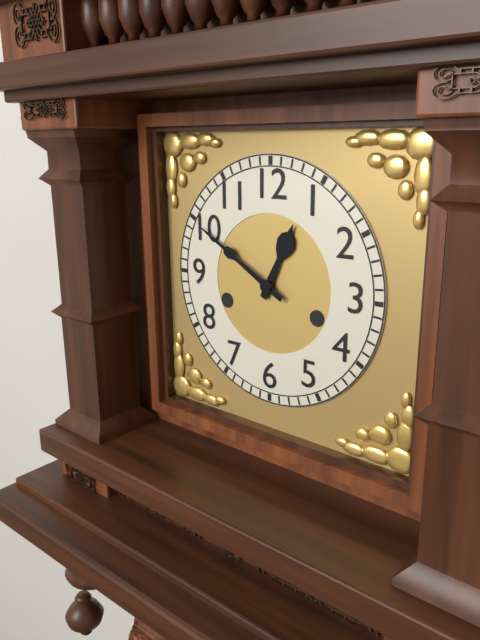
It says 12:50
